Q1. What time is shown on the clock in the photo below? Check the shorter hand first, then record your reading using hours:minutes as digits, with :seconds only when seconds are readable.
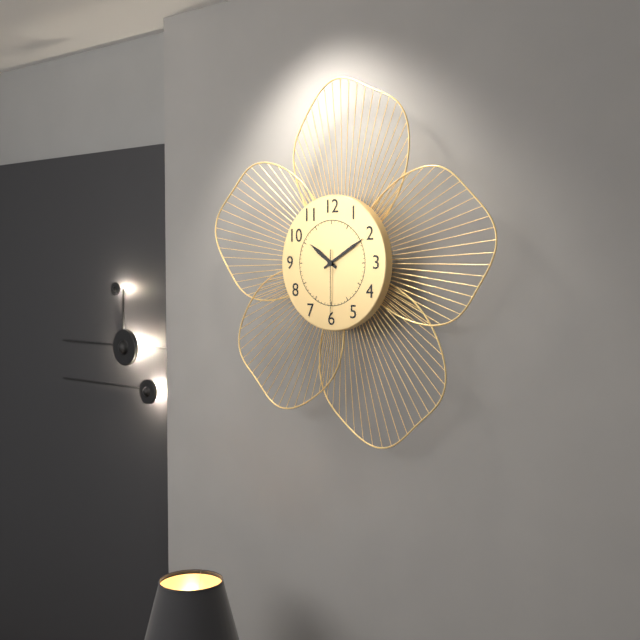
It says 10:10:30
